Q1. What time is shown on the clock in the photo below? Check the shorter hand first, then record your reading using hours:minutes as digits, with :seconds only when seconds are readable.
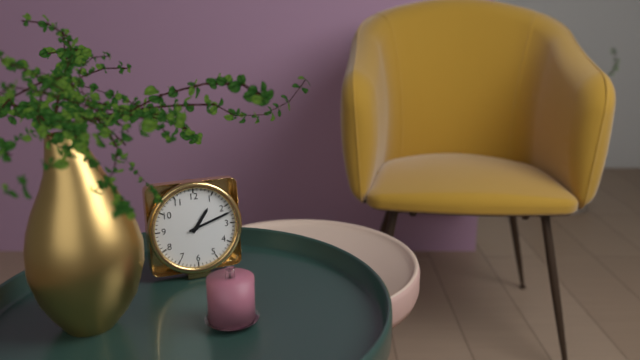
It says 1:12
